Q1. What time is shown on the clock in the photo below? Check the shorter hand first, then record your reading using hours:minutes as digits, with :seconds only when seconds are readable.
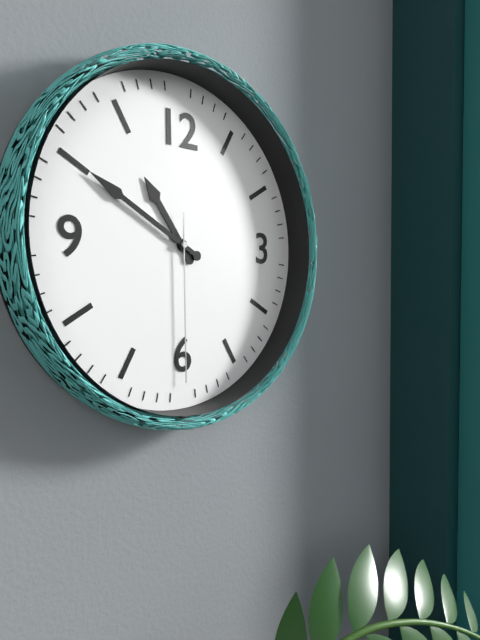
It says 10:50:30
